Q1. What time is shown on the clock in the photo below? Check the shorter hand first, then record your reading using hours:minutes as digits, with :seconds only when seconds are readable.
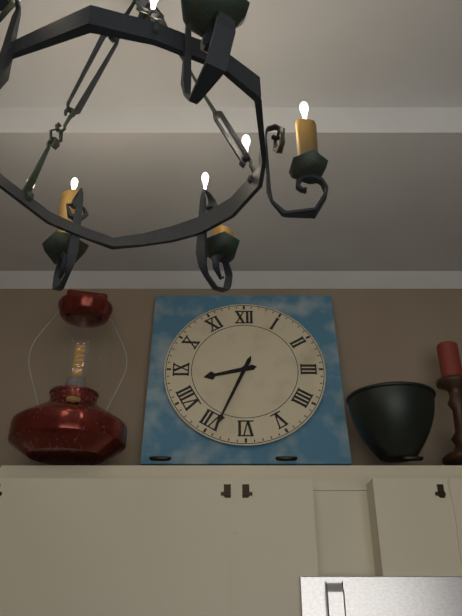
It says 8:34
